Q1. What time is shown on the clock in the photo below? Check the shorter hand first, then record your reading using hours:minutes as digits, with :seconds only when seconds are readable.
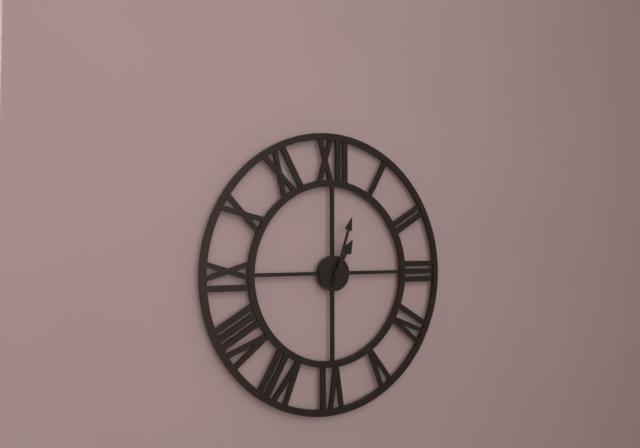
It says 1:03
